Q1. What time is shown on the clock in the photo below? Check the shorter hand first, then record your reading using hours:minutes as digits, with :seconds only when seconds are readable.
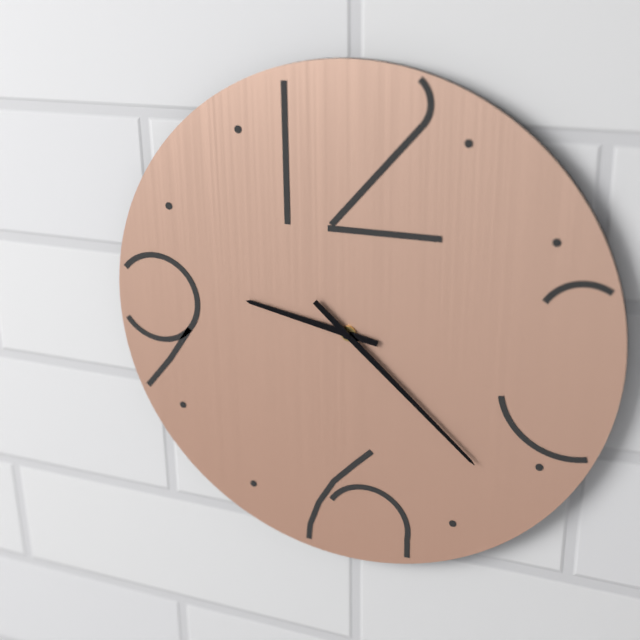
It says 9:22
